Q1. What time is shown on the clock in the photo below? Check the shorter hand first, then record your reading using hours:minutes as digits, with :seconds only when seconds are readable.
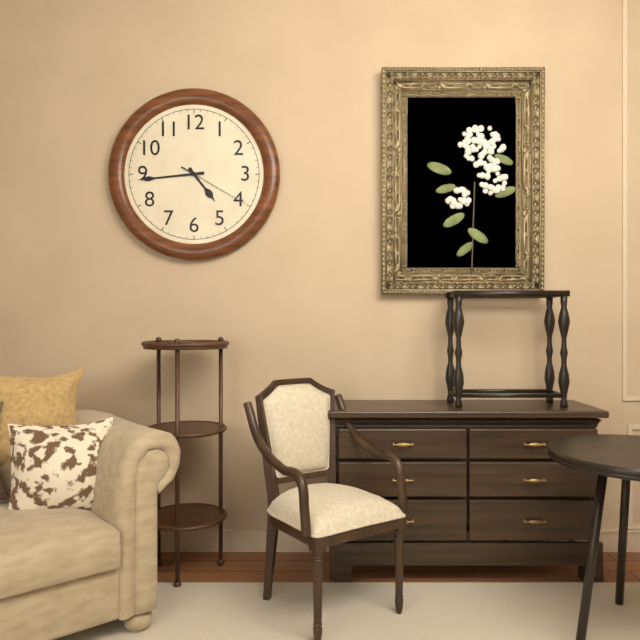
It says 4:44:20
